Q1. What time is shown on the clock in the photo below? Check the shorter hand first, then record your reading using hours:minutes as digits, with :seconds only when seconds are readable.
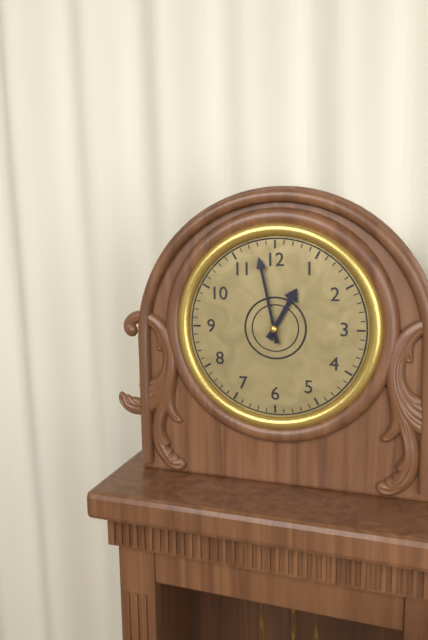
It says 12:58
